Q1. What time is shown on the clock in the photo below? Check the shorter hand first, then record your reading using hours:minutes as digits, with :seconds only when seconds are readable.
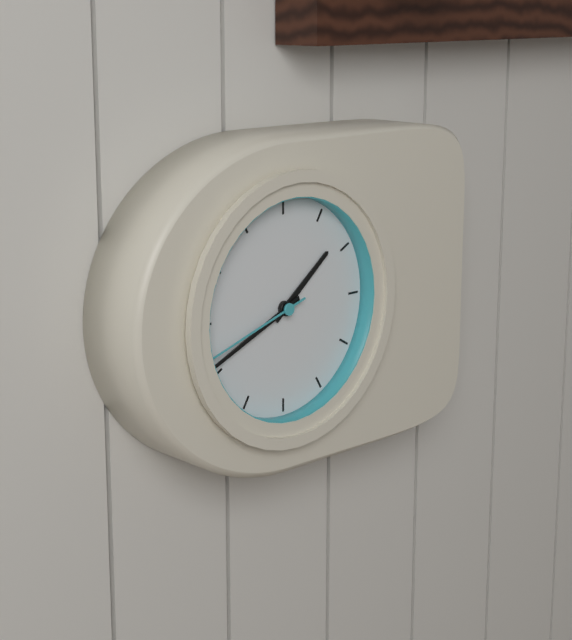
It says 1:41:42
